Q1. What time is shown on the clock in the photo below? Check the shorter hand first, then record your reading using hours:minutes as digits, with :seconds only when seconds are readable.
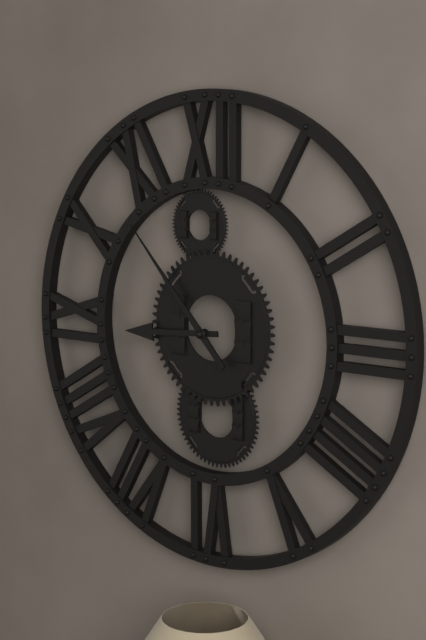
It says 8:53
